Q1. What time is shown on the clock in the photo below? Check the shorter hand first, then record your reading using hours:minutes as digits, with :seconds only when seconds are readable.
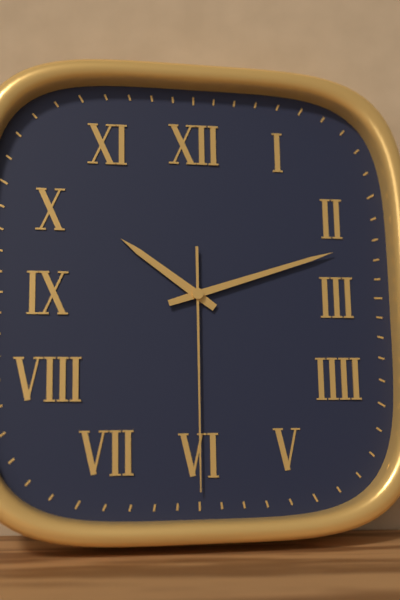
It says 10:12:30
